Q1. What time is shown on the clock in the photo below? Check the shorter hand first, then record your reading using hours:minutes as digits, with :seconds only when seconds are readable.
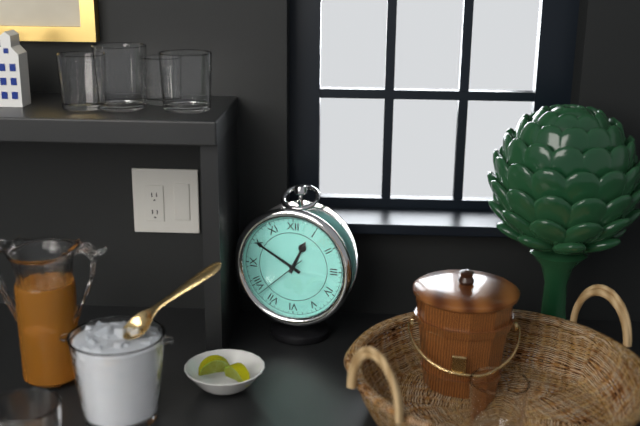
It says 12:50:38
